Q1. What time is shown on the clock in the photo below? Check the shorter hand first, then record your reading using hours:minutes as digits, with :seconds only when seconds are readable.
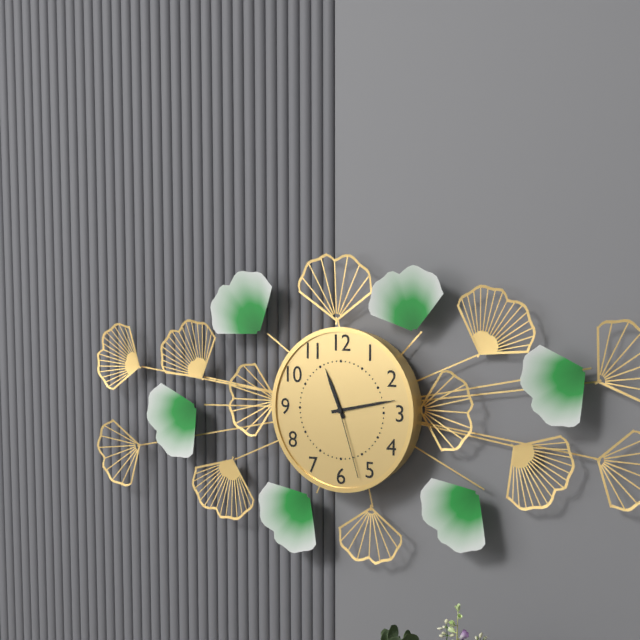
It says 11:13:27
